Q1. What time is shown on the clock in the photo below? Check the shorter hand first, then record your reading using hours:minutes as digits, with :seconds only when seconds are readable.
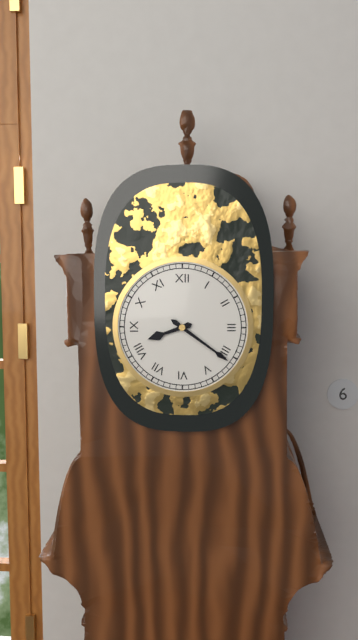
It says 8:21
